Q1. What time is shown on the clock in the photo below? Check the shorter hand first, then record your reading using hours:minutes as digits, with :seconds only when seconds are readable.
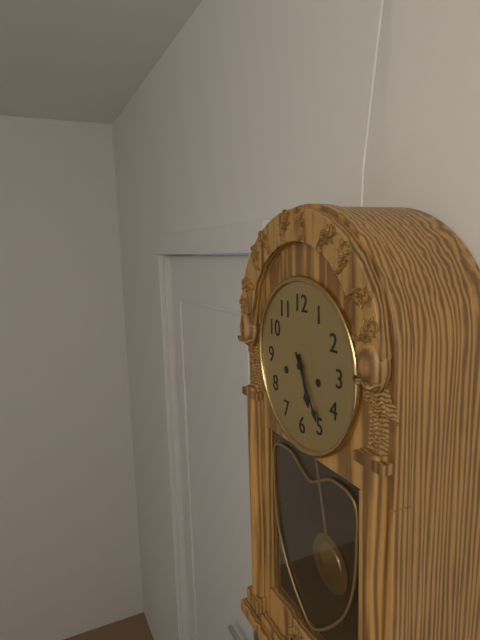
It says 5:25
